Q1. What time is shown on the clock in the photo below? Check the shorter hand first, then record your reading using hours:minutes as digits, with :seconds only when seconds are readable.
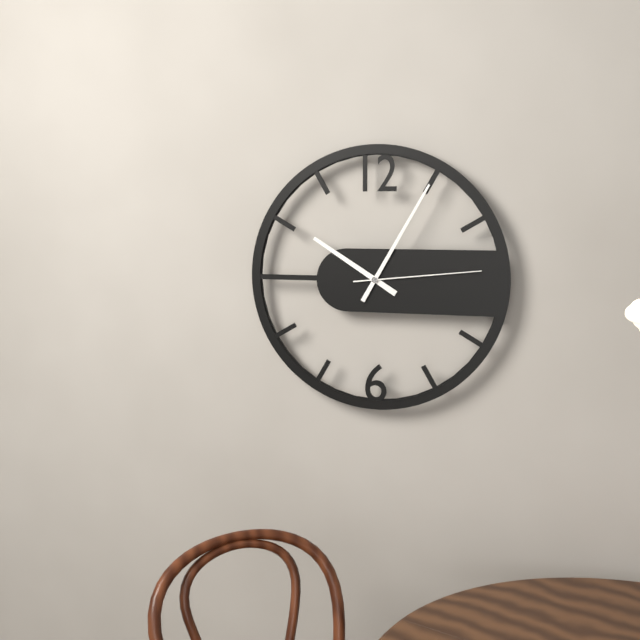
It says 10:05:14
